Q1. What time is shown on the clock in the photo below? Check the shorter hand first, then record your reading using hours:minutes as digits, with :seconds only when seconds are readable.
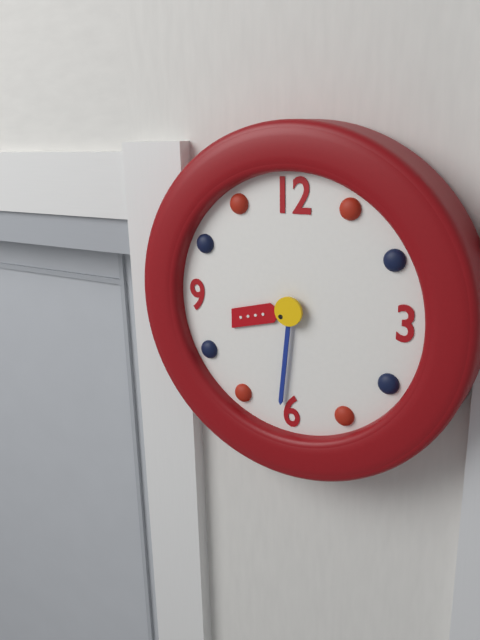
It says 8:31
